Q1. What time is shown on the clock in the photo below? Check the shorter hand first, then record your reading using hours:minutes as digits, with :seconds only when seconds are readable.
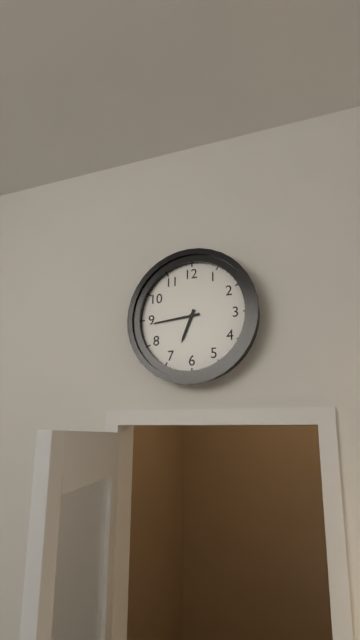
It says 6:44
